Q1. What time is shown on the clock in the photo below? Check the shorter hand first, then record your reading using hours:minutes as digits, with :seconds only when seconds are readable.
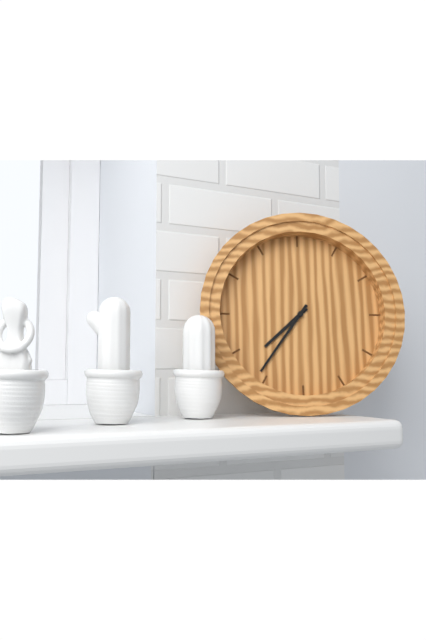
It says 7:36
